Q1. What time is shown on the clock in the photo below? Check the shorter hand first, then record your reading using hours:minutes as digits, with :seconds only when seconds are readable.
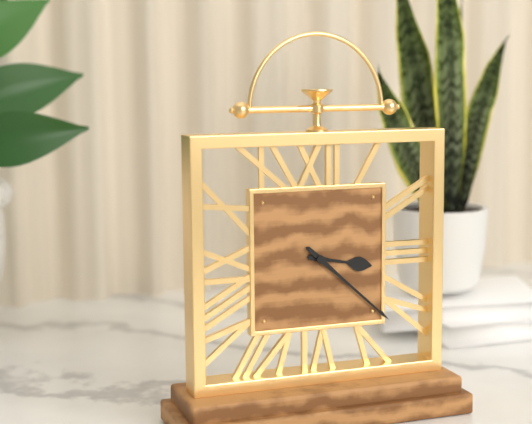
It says 3:22
